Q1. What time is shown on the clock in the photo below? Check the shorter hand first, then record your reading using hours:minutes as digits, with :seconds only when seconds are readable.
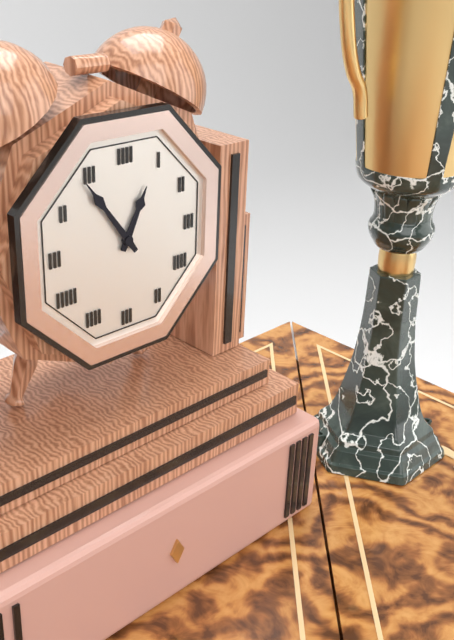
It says 12:54
